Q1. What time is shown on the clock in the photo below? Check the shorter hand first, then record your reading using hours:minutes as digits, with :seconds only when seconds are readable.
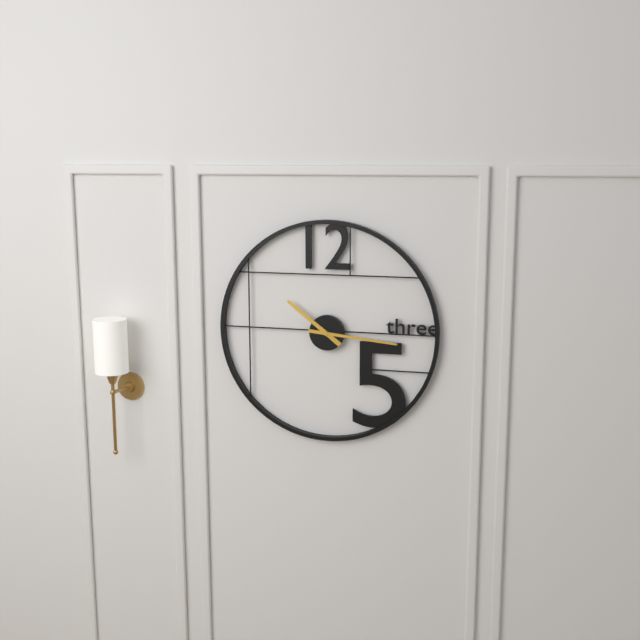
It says 10:16
